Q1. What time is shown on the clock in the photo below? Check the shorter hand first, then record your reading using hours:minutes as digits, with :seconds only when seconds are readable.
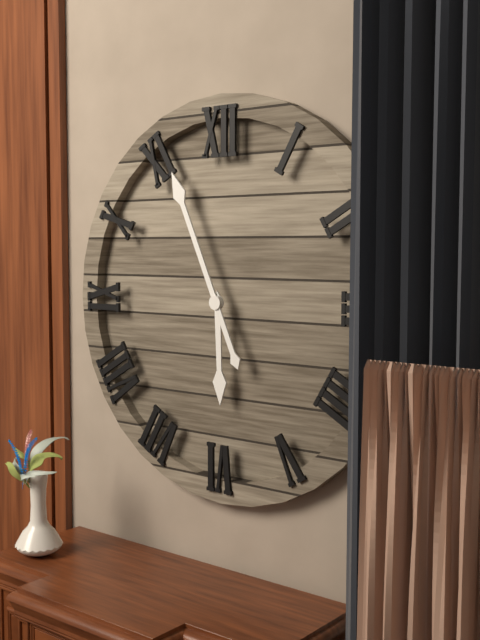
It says 5:56
